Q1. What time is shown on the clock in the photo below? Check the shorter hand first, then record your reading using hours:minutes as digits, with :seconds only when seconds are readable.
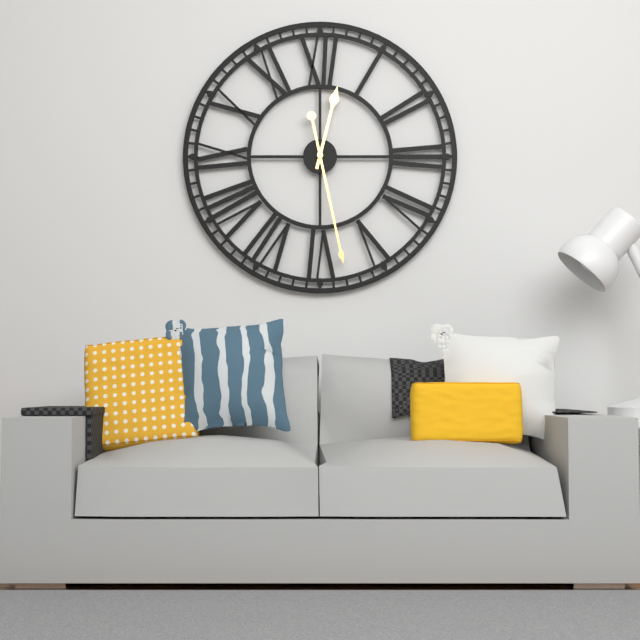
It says 12:28
